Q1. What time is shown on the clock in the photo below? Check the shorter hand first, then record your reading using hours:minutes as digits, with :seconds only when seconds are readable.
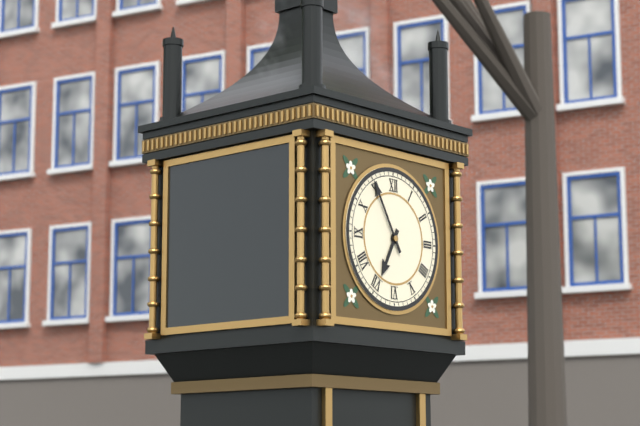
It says 6:55
